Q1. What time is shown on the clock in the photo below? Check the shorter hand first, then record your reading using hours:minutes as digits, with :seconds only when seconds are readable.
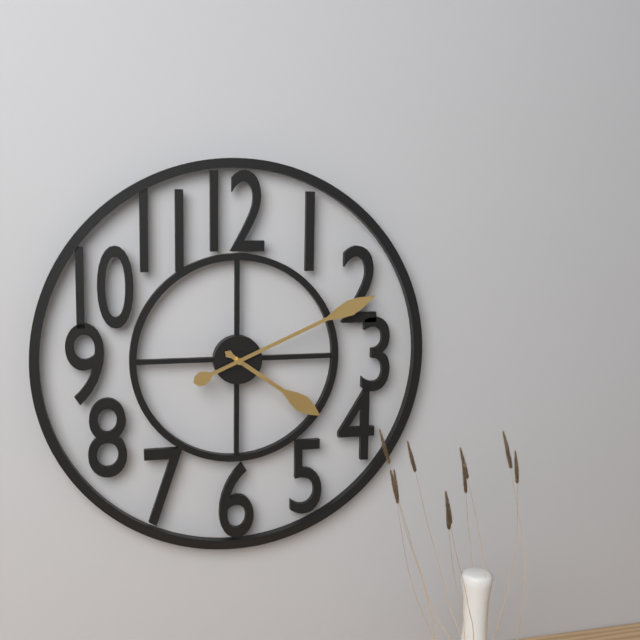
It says 4:11
